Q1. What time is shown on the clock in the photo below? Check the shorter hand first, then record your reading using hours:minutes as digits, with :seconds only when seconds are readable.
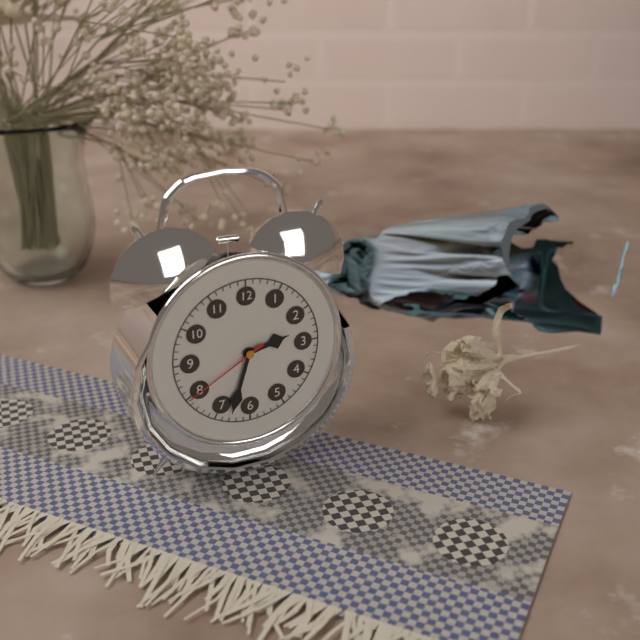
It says 2:33:40
